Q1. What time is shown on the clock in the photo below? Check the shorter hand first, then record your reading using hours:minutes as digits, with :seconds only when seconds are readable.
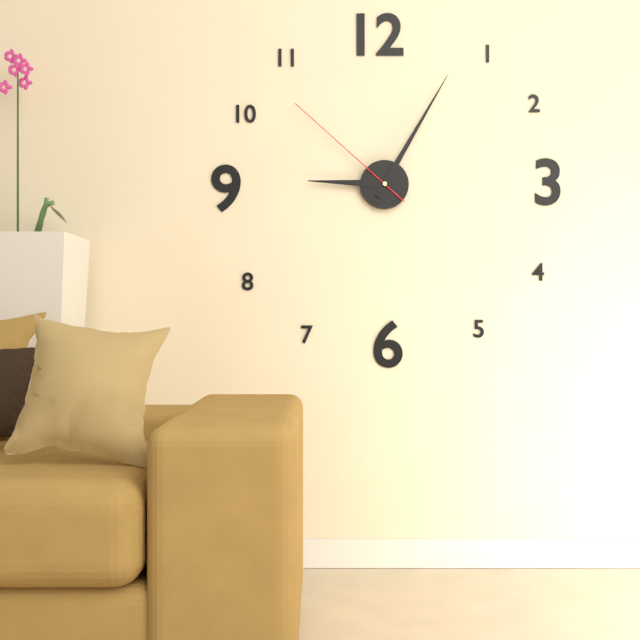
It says 9:05:52
